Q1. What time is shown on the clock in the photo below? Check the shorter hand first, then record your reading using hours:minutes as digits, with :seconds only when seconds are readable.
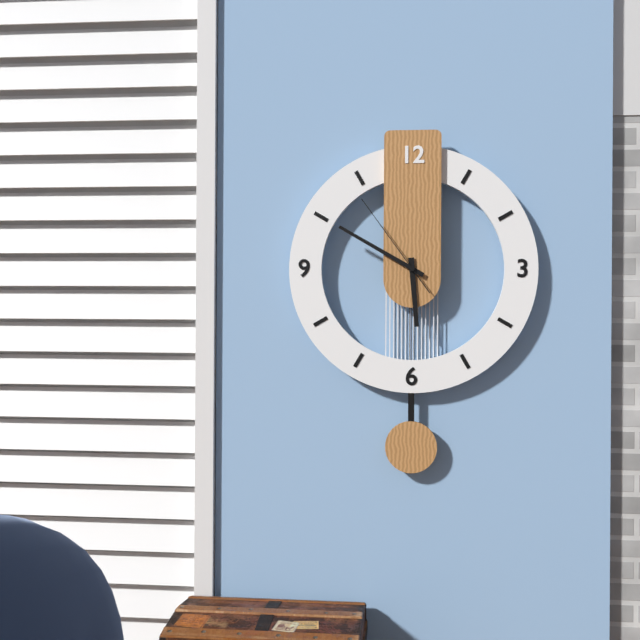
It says 5:50:54
